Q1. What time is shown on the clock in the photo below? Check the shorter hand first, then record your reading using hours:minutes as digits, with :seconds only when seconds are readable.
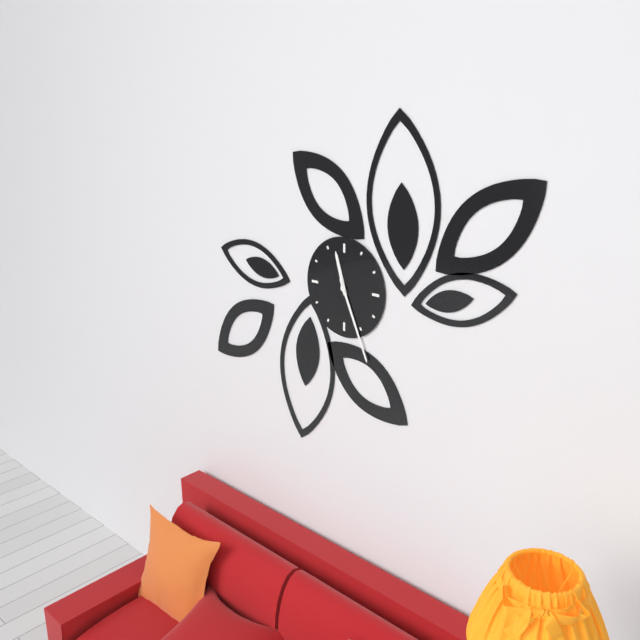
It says 11:26
